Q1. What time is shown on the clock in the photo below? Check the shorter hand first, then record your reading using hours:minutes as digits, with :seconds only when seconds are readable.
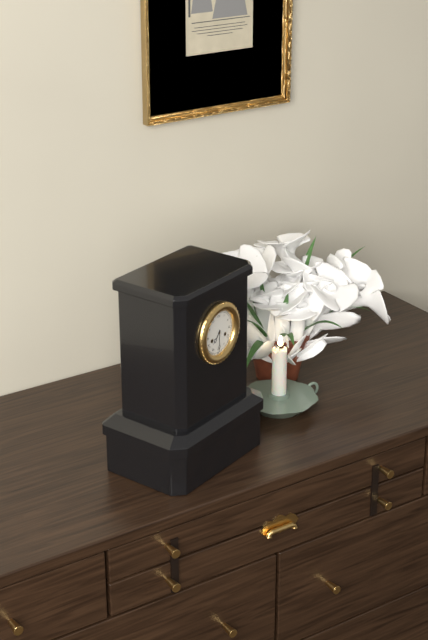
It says 7:30
